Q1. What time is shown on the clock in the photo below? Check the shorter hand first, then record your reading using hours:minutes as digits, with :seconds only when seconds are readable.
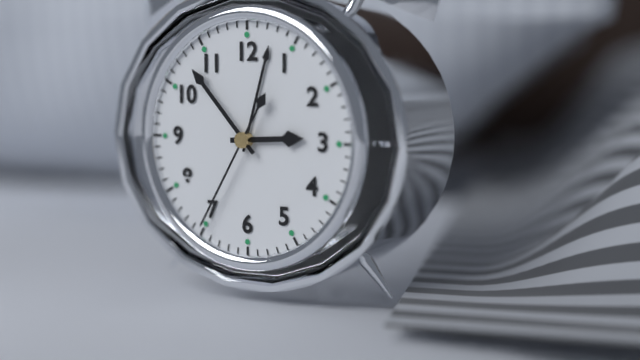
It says 2:53:35
